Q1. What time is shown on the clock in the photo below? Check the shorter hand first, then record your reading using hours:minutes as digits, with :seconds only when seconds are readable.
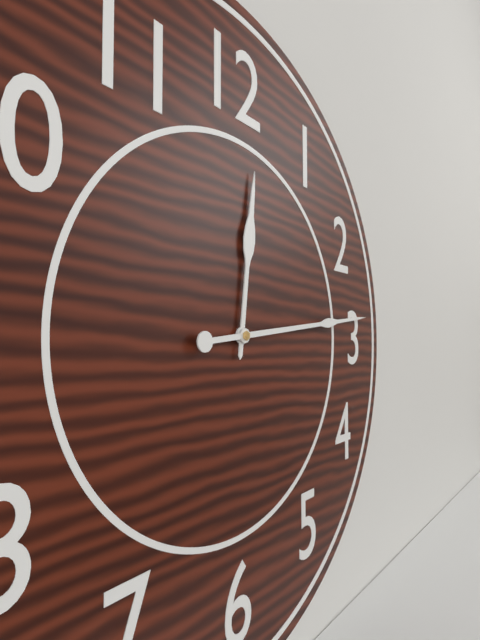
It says 12:14
